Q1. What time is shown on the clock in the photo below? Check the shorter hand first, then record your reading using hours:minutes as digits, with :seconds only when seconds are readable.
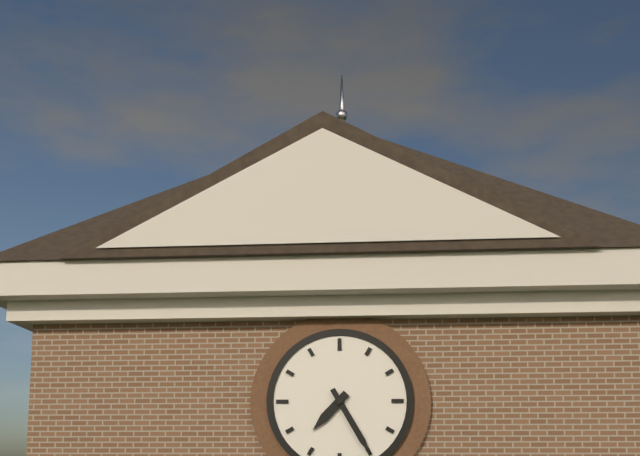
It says 7:25
